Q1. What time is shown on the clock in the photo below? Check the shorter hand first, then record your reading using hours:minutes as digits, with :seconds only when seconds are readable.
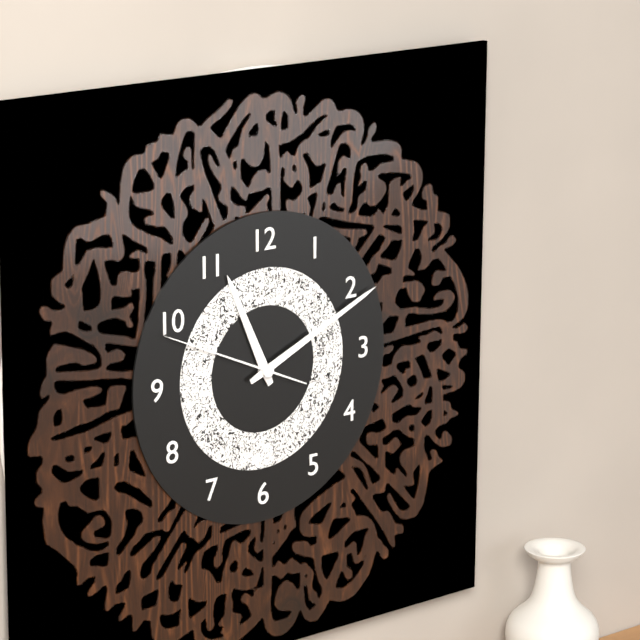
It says 11:11:49
